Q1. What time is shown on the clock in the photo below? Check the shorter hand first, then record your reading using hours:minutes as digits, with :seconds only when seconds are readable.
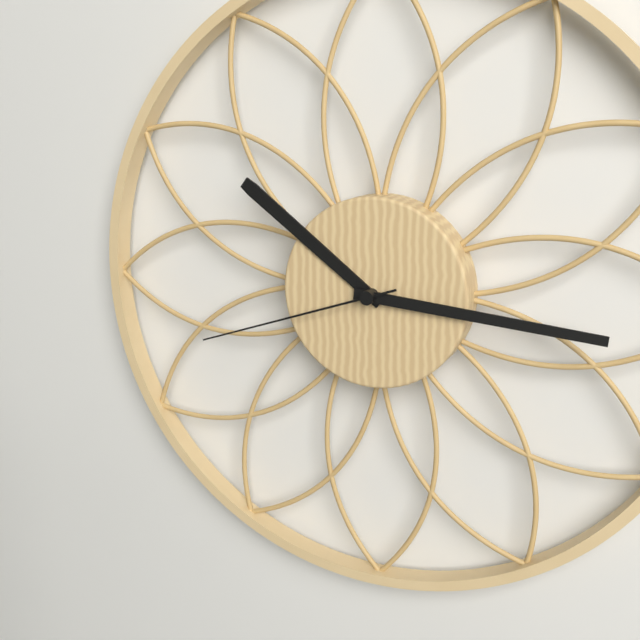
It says 10:16:42
